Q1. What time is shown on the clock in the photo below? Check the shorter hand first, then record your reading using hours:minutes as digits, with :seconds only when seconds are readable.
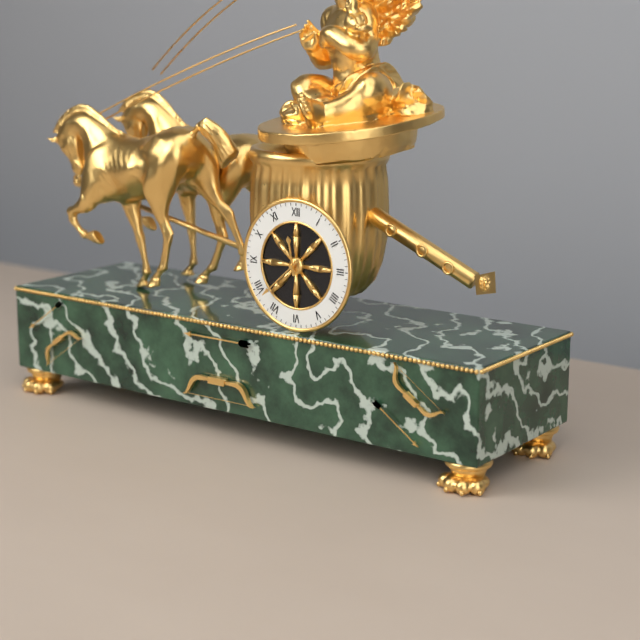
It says 11:38
